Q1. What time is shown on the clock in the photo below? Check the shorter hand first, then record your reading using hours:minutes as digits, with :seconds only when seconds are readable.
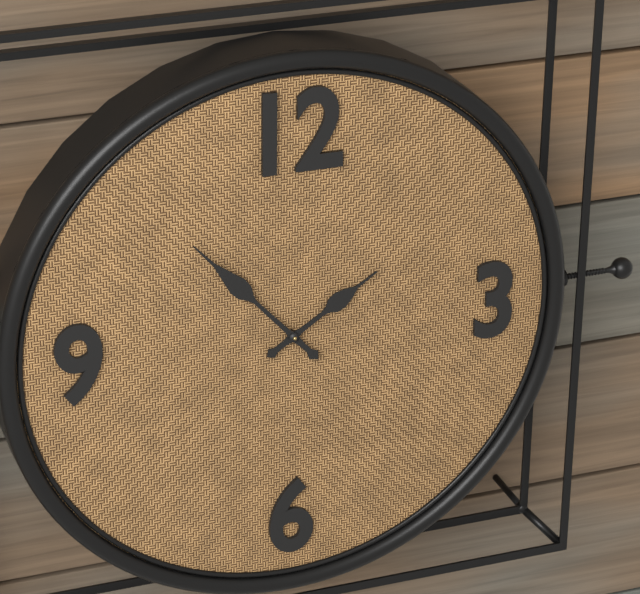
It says 1:53
